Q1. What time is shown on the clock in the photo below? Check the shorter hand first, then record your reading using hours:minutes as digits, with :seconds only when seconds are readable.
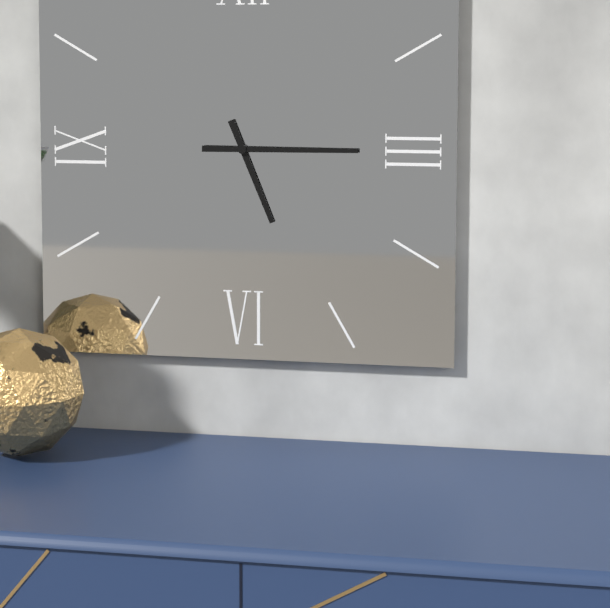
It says 5:15
